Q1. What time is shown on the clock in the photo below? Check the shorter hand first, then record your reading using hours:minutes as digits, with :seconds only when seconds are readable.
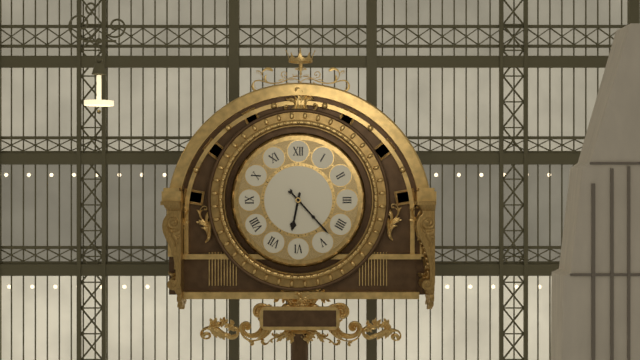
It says 6:23
